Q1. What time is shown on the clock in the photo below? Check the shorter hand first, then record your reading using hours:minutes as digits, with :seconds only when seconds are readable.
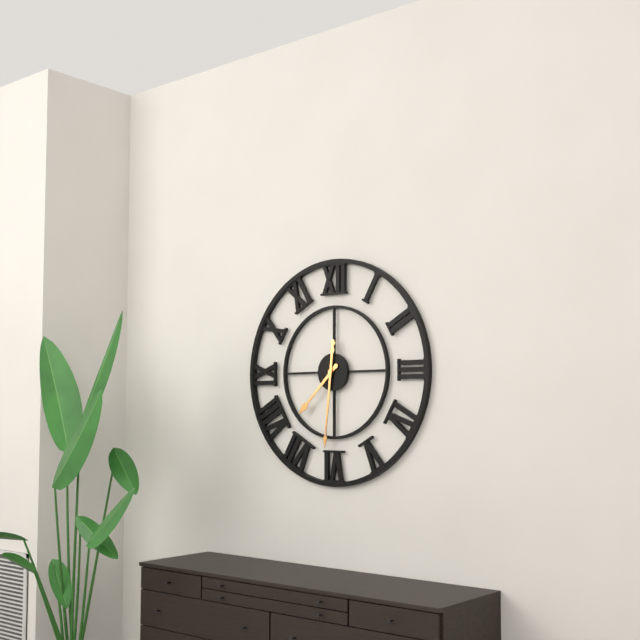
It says 7:31
